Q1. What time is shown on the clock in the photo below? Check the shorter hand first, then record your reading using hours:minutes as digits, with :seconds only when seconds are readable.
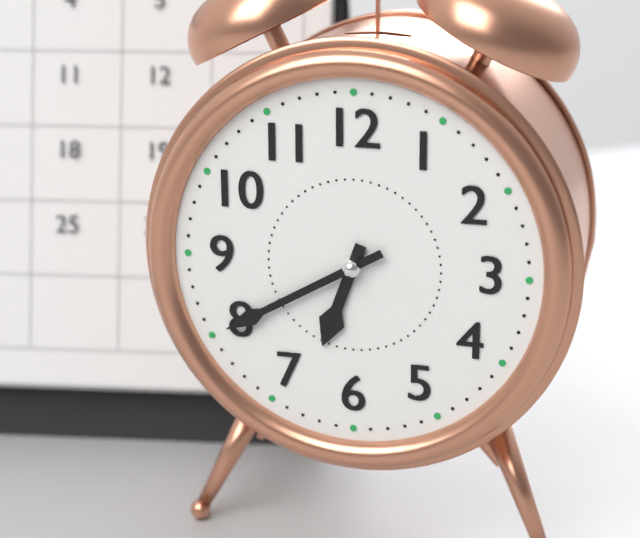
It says 6:40
